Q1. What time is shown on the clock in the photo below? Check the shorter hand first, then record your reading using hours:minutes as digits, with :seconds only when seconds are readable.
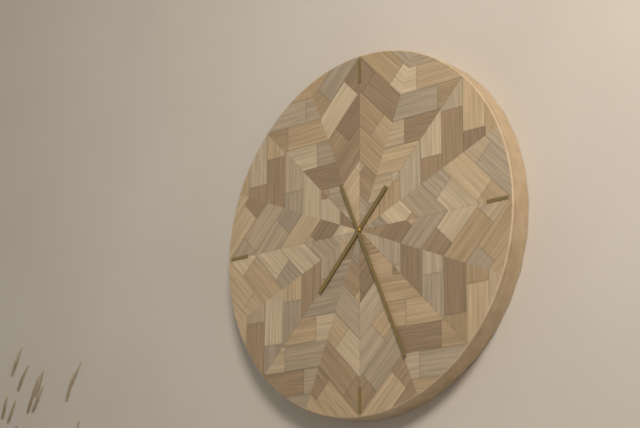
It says 7:26
